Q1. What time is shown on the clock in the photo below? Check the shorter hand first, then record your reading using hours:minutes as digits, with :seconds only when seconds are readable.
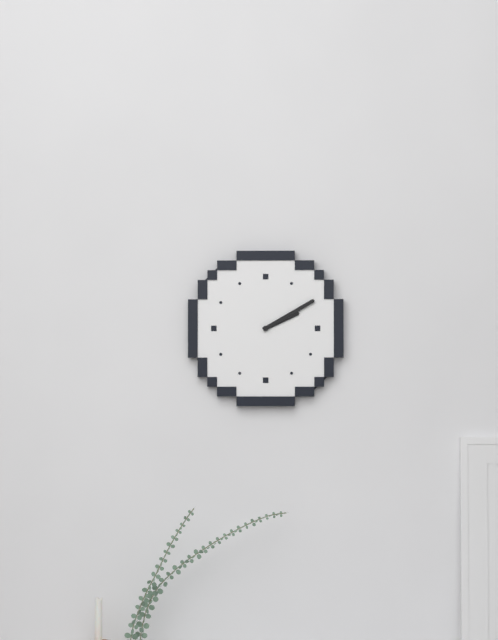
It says 2:10
